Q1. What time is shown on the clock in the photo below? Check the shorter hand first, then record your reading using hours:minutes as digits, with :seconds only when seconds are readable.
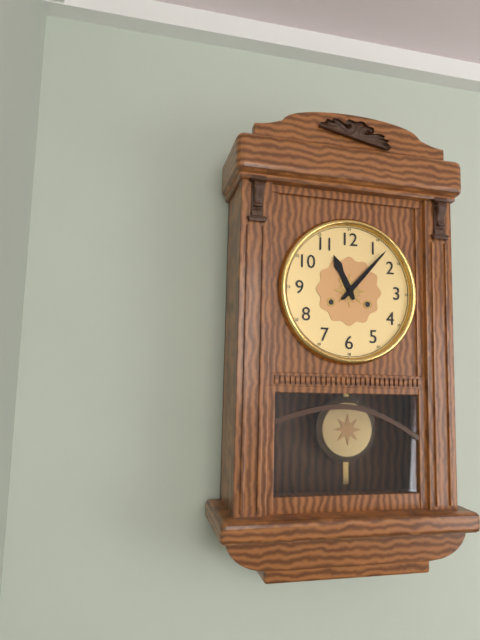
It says 11:07
